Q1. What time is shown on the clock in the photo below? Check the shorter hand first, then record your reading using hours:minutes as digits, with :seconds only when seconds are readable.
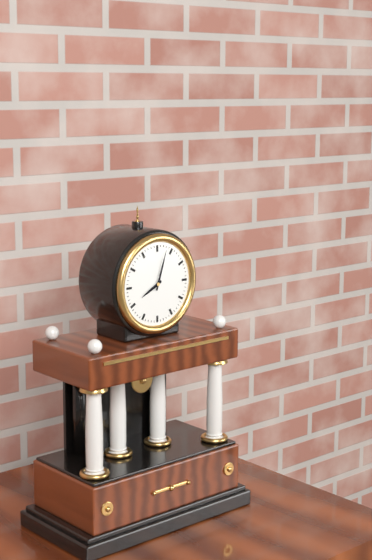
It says 8:03
